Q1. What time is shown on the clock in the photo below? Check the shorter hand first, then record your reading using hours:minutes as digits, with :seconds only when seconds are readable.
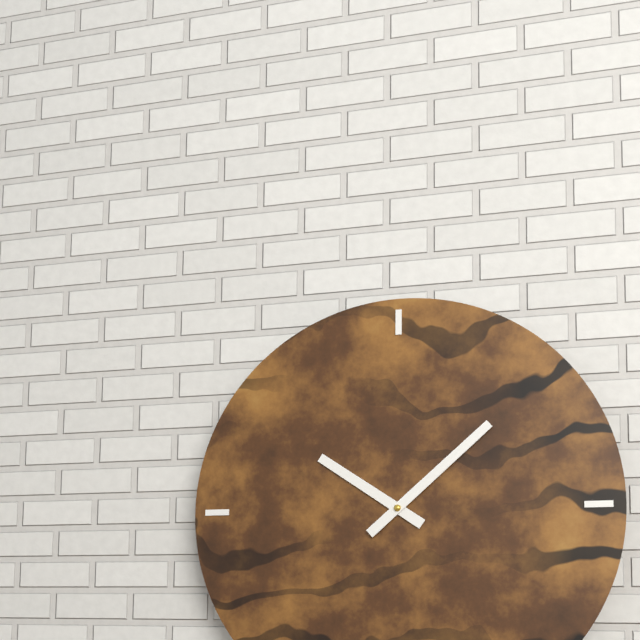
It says 10:08
